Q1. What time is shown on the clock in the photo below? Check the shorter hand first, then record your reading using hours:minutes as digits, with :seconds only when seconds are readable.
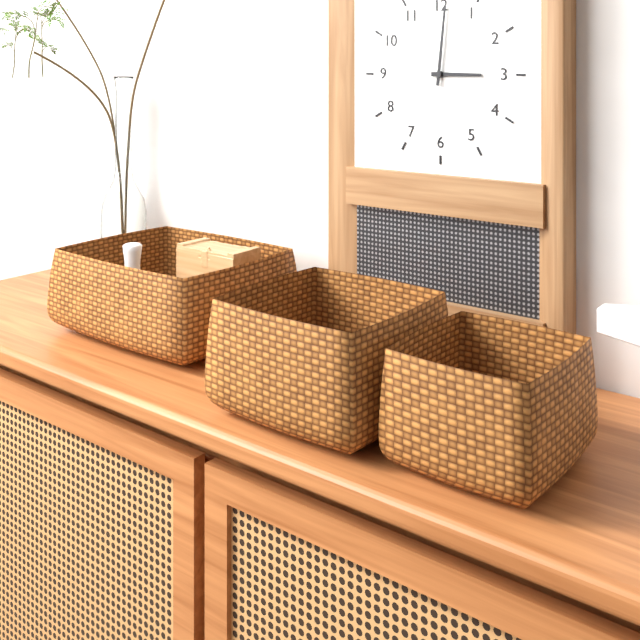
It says 3:01
